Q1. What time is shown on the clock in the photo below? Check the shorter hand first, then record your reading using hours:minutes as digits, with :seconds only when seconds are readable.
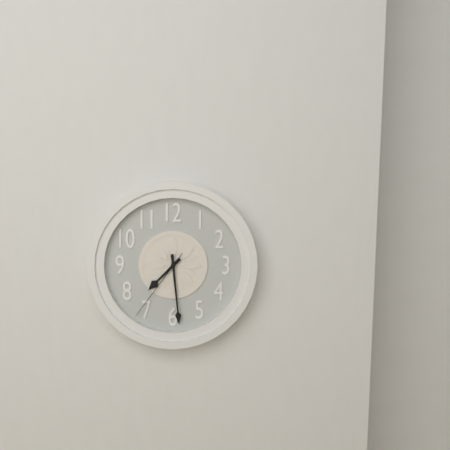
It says 7:29:36
